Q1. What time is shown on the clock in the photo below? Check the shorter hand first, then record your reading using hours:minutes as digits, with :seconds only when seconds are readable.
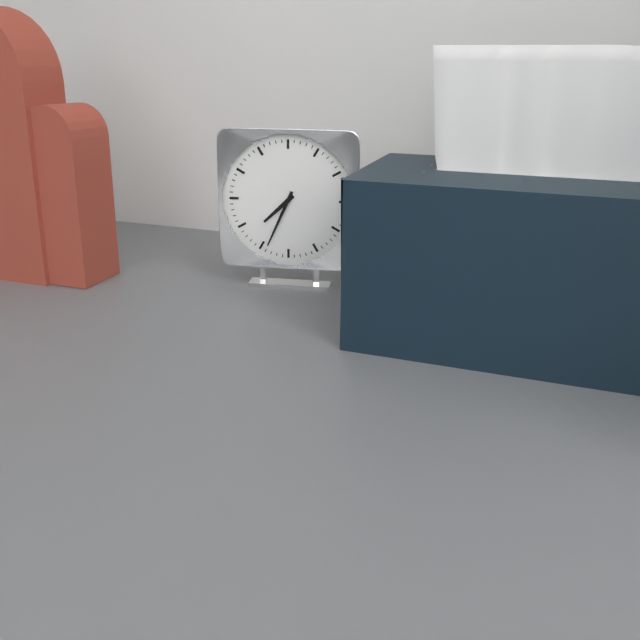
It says 7:34
